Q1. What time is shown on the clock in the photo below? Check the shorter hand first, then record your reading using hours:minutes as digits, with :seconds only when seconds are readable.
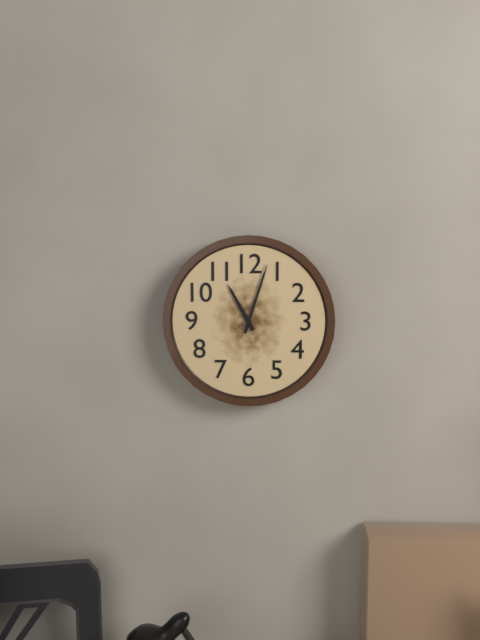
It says 11:03
